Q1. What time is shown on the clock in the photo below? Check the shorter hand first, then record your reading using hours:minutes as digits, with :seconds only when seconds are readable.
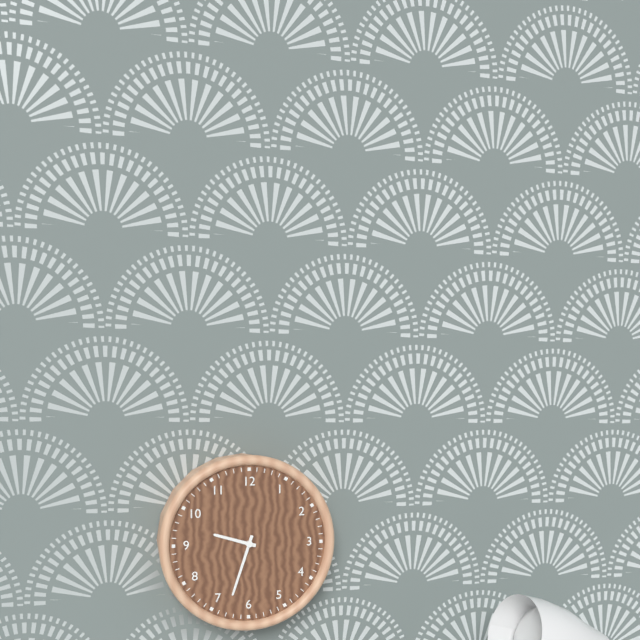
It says 9:33
